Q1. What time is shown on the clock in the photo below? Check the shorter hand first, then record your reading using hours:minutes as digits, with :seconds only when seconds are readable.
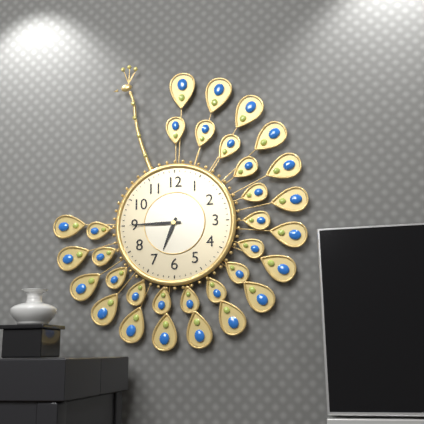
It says 6:45
